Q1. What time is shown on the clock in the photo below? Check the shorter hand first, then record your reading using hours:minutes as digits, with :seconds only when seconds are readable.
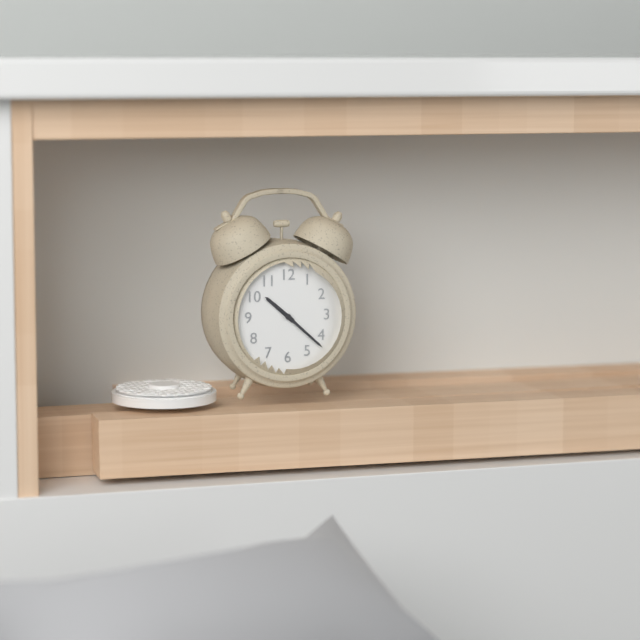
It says 10:22
